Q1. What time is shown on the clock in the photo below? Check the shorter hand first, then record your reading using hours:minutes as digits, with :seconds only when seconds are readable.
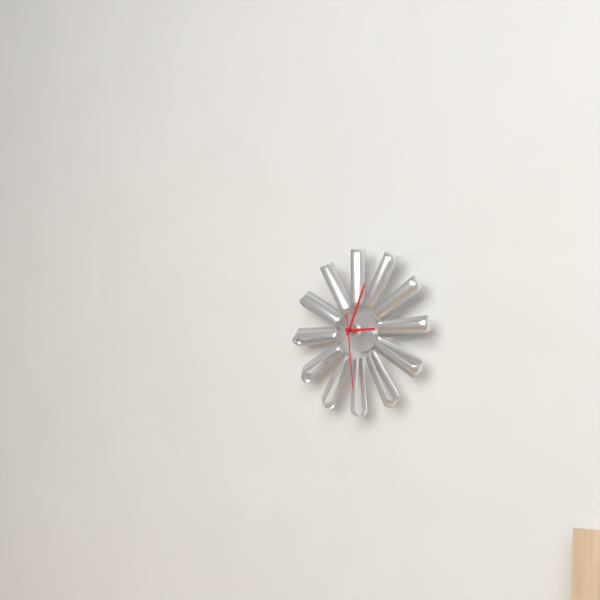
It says 3:04:29
